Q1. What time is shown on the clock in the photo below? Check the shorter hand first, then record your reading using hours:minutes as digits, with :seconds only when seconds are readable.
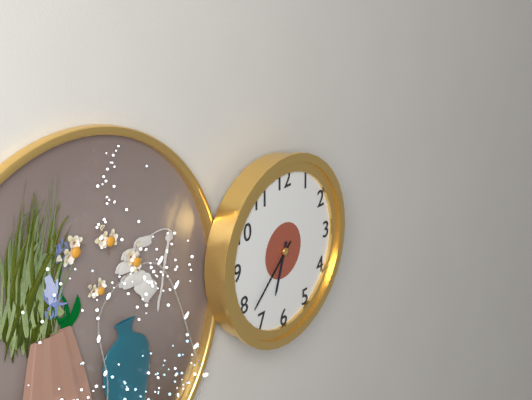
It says 6:38
